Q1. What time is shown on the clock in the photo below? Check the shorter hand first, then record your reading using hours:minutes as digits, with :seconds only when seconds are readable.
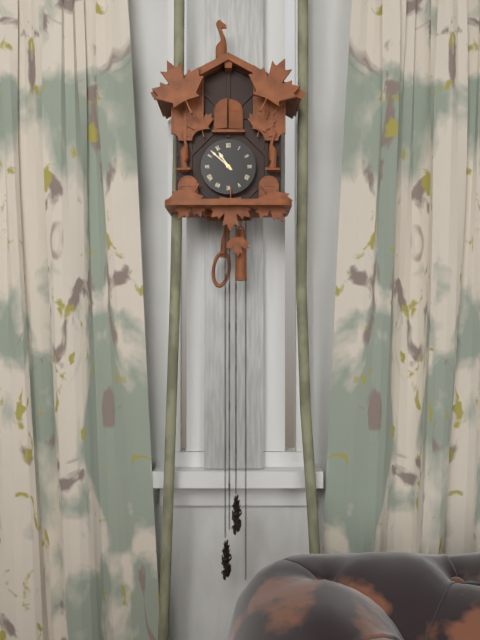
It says 10:52
